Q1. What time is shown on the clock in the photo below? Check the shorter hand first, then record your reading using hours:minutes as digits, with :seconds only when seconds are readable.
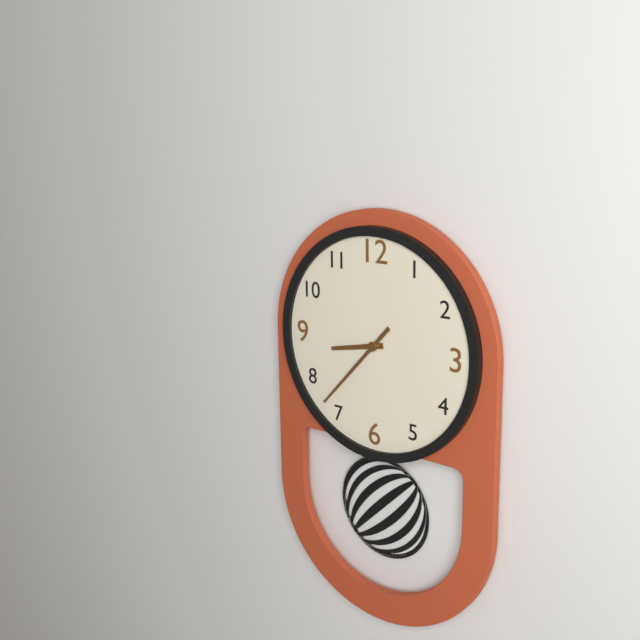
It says 8:37
